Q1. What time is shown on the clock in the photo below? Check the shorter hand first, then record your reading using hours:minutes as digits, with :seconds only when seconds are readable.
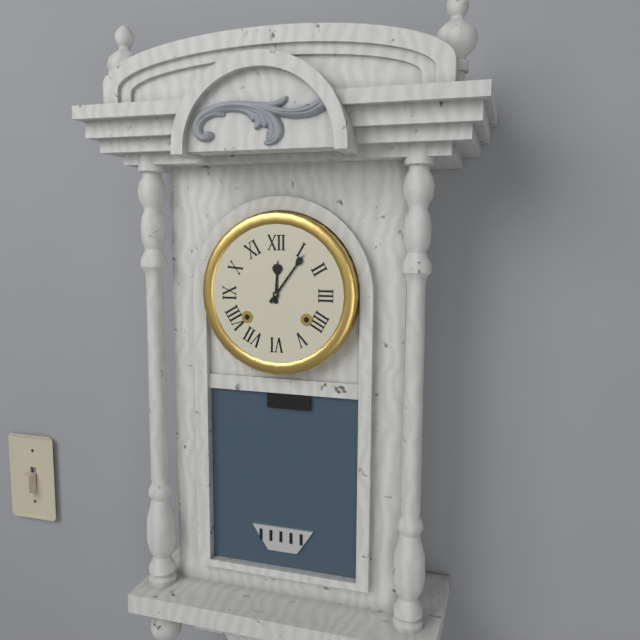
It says 12:06
